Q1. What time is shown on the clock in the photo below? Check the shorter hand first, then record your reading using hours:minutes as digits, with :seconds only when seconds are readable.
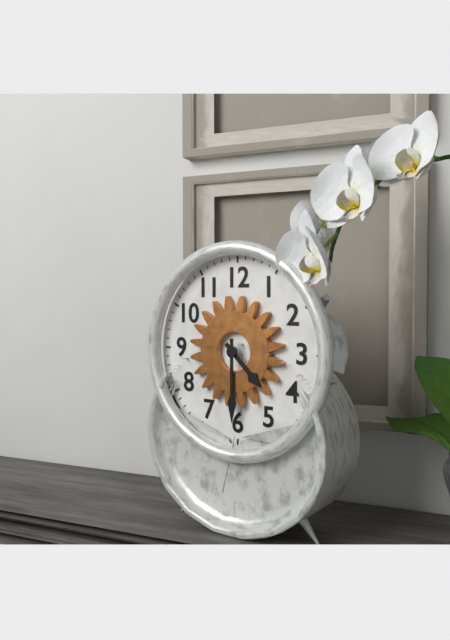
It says 4:30
